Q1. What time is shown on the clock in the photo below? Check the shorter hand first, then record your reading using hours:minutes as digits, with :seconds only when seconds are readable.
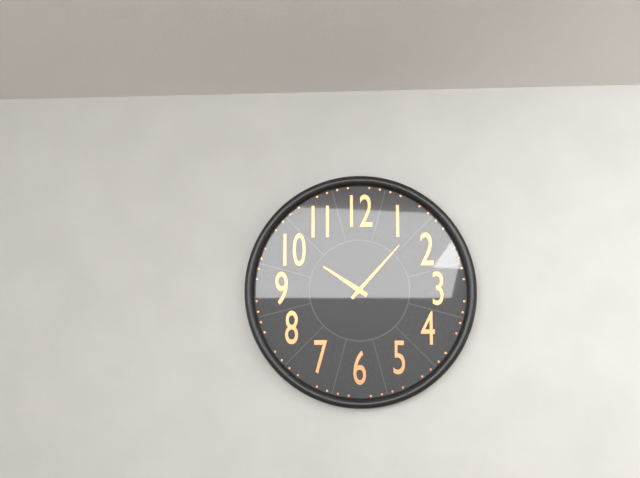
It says 10:07
